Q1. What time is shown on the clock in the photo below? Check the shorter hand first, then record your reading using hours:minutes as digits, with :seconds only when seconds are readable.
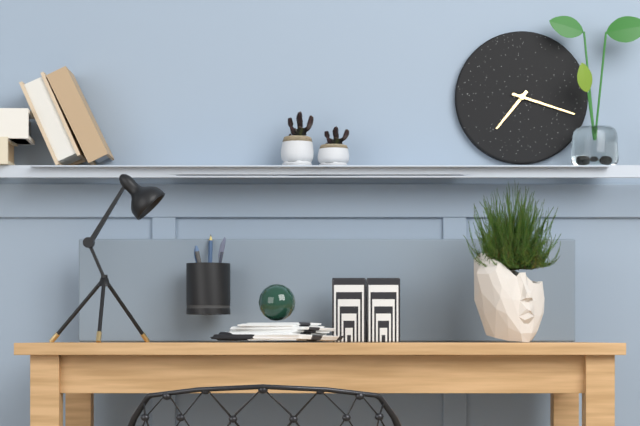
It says 7:18
